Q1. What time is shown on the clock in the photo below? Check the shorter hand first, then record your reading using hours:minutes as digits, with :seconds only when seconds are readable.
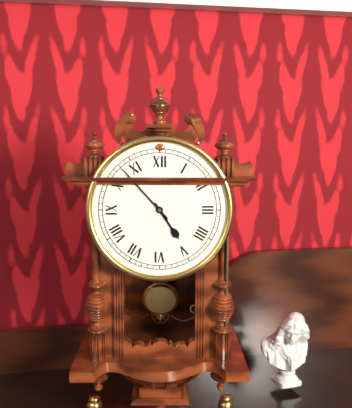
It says 4:53
